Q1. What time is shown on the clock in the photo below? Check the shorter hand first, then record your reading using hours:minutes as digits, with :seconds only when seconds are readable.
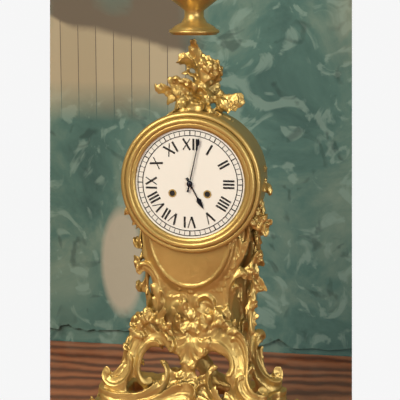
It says 5:02
